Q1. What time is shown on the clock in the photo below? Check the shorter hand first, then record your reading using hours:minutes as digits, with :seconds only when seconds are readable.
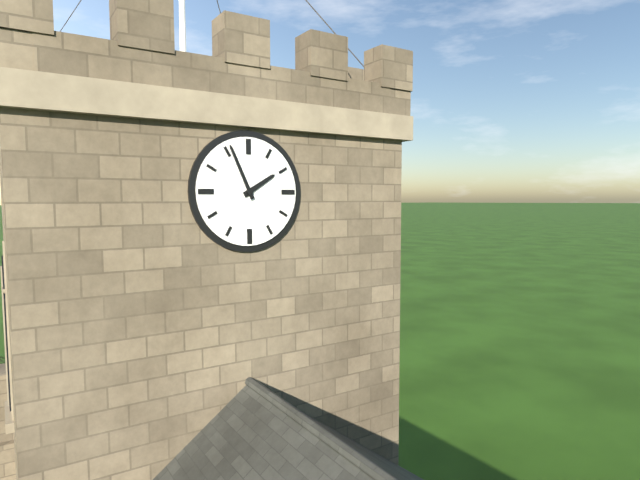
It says 1:56
